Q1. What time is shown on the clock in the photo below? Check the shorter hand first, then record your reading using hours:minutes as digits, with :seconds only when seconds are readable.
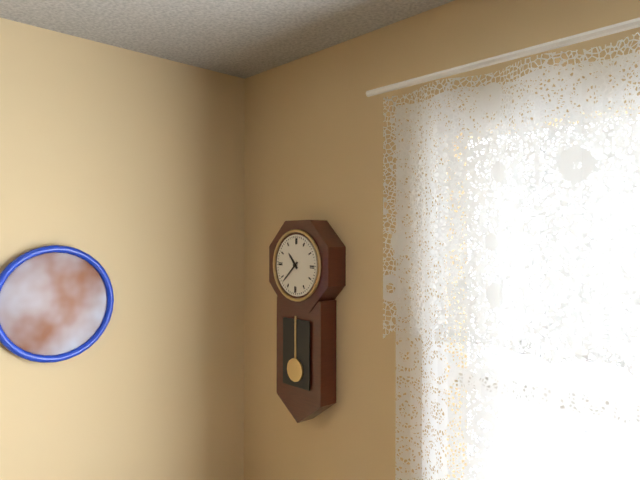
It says 10:38
